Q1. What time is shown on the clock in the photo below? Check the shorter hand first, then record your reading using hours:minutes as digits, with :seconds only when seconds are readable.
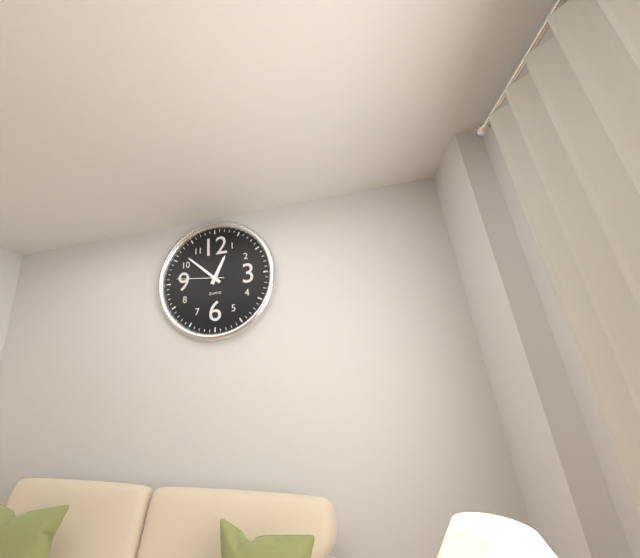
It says 12:52
